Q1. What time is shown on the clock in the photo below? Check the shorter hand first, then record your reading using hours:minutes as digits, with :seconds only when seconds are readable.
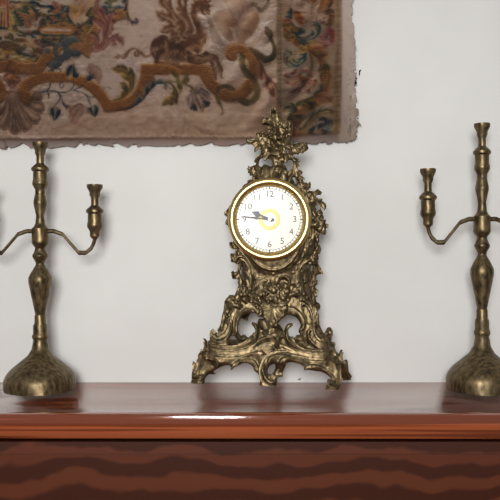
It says 9:46
